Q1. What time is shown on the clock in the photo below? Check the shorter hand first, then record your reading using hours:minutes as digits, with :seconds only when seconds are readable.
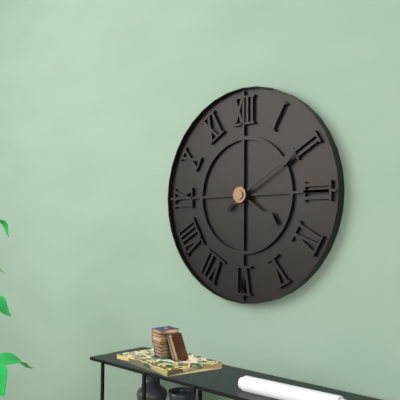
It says 4:10
